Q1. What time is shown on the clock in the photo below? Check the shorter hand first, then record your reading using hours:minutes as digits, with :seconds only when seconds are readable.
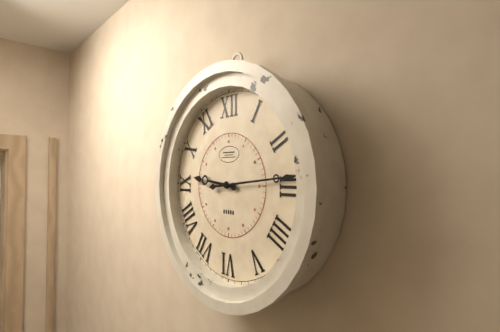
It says 9:14
